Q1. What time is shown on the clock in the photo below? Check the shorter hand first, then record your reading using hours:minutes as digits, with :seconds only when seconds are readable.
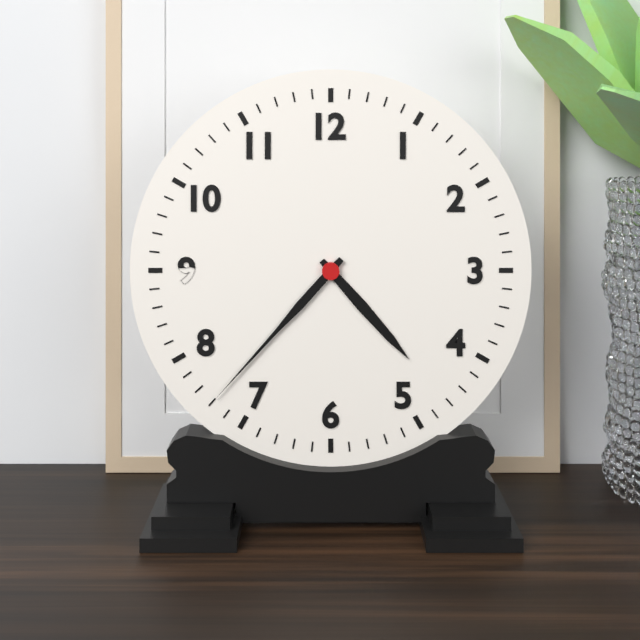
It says 4:37
